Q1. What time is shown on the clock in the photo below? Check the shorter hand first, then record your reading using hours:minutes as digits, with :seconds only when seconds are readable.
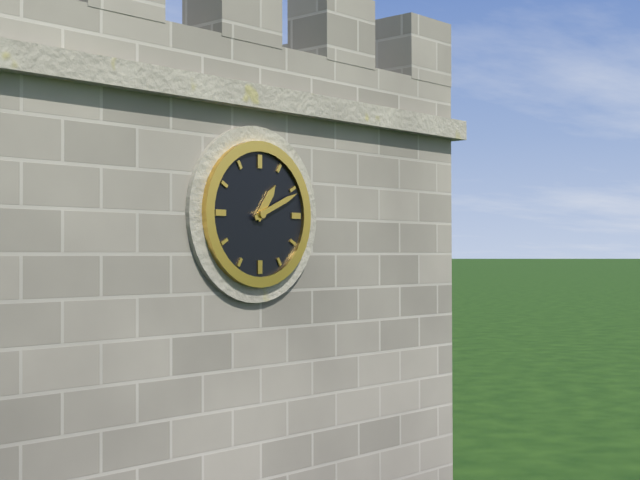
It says 1:11
